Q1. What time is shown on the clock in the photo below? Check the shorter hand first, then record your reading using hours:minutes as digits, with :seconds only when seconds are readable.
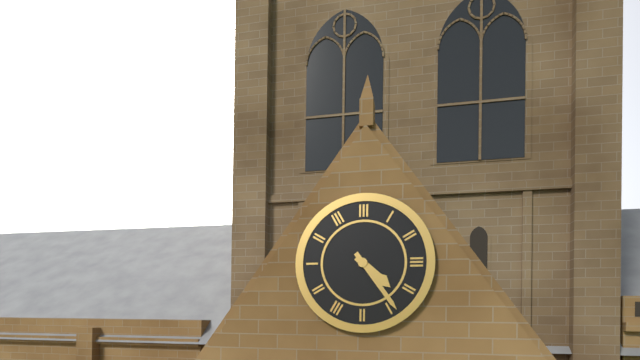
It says 4:24
